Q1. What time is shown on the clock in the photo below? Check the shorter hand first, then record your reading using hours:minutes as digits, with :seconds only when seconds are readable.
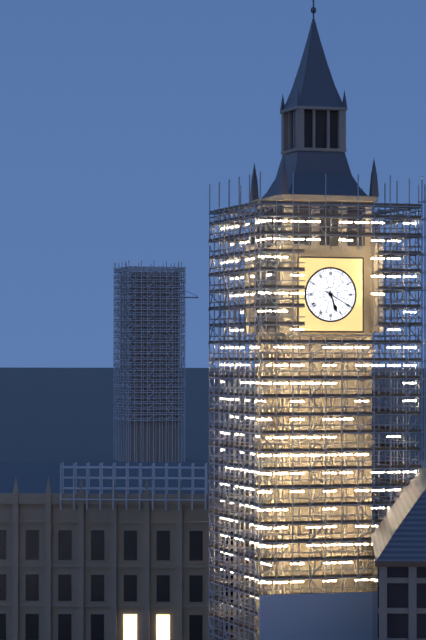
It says 5:20
